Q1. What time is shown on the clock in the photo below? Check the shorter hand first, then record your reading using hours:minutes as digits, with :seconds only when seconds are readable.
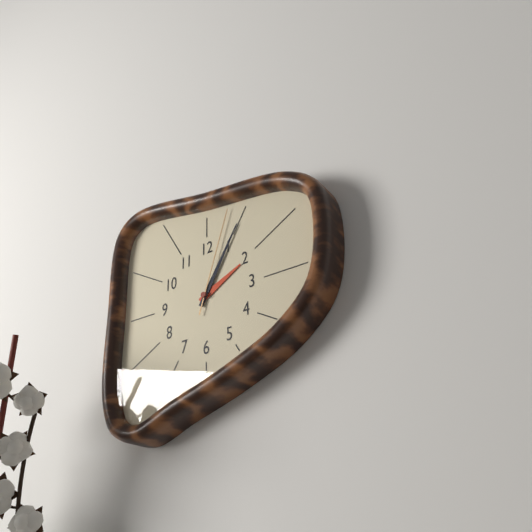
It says 2:05:03
